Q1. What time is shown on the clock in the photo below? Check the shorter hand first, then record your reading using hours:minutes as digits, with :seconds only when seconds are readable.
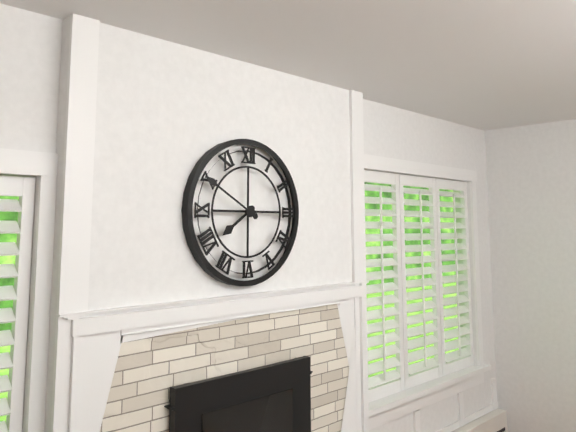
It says 7:50
